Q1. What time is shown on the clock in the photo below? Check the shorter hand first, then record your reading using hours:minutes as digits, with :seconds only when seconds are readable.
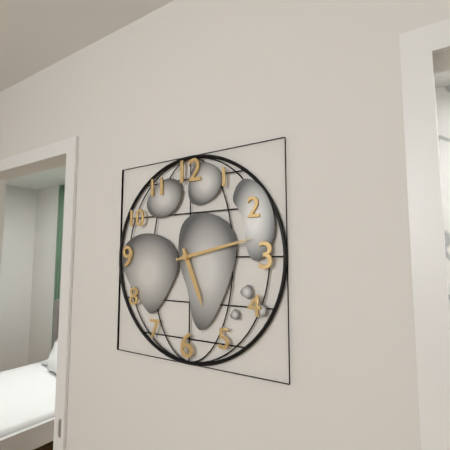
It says 5:13
